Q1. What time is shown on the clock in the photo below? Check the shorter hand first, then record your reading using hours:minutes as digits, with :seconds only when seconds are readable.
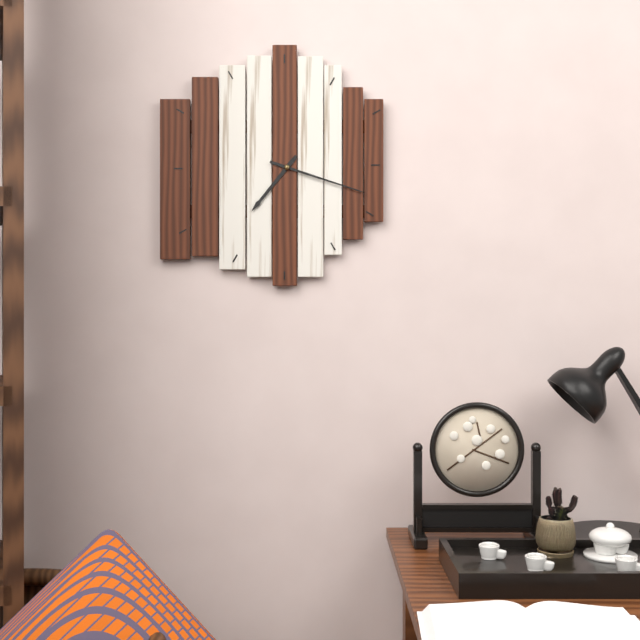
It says 7:18
